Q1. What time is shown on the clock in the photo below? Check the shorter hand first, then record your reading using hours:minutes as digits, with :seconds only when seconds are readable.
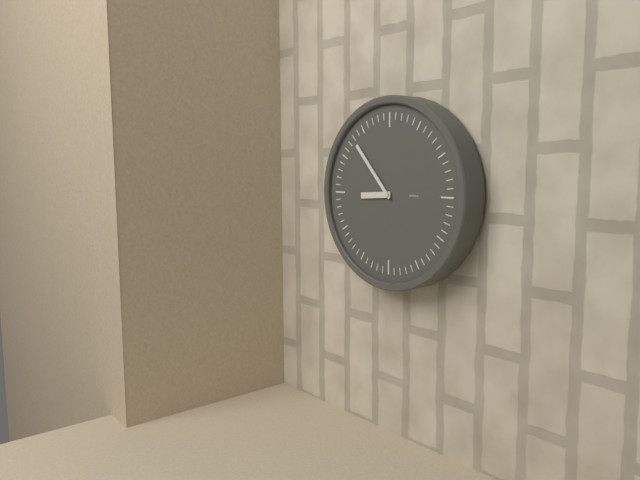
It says 8:53
